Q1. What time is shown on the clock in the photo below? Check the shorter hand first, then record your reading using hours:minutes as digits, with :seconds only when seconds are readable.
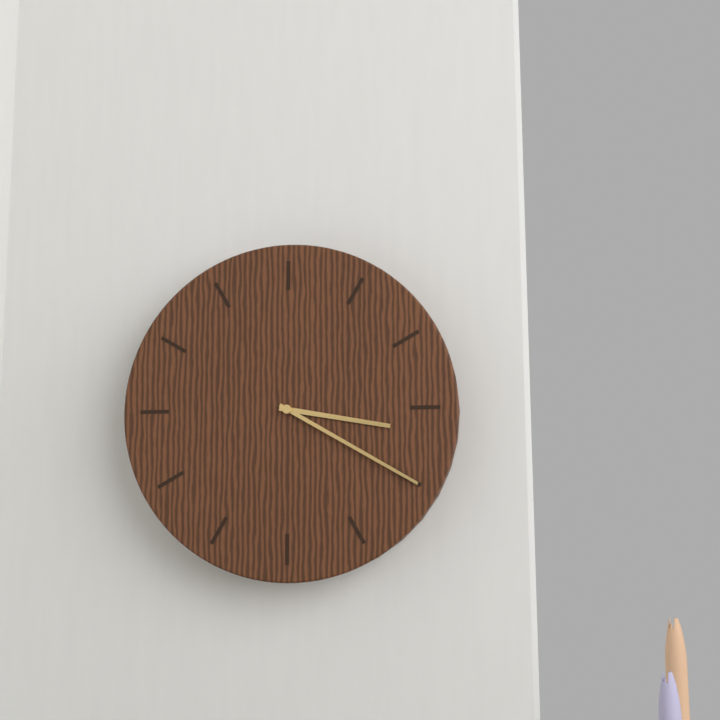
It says 3:20
